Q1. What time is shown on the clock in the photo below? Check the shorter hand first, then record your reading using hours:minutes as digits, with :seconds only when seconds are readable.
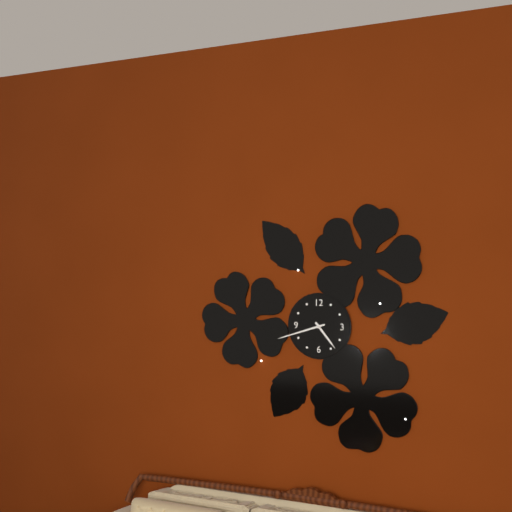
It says 4:42
